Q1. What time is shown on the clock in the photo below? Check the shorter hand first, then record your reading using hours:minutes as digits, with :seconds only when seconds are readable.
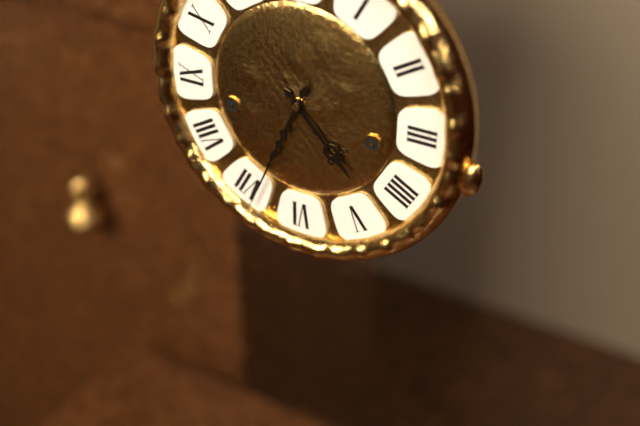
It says 4:34
